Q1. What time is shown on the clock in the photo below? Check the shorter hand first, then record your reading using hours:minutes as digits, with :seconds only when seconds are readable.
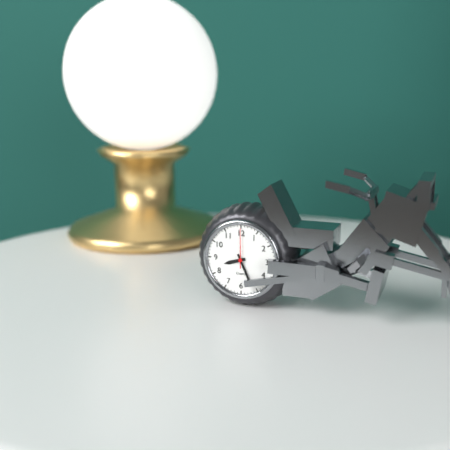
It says 8:26
